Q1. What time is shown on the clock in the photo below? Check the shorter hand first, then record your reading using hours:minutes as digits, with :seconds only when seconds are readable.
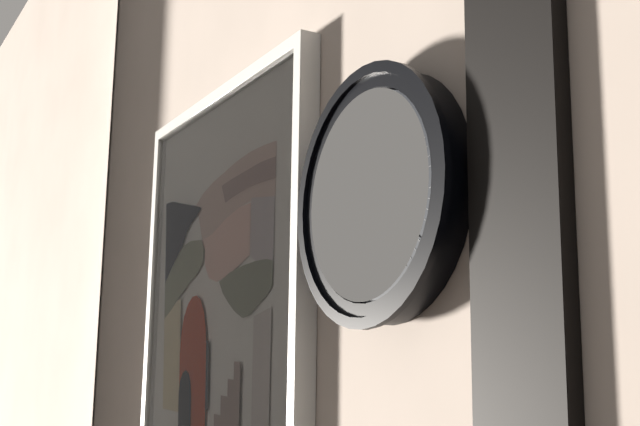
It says 6:21:38
